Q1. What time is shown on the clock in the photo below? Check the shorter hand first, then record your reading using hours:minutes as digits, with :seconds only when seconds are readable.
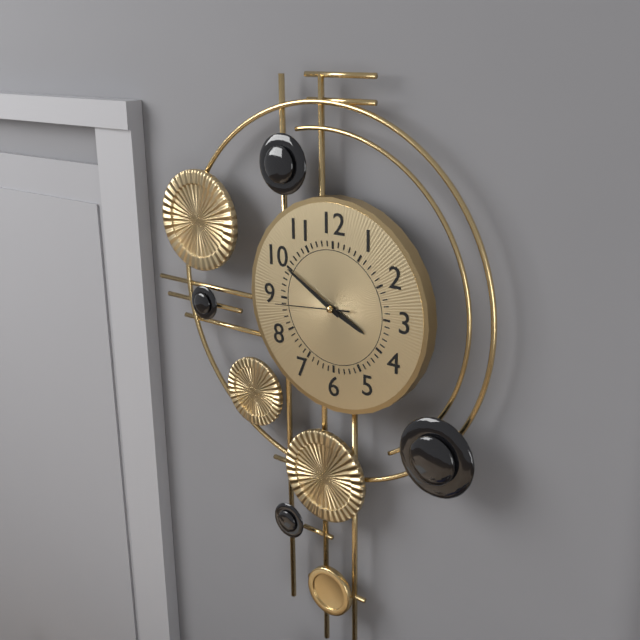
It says 3:50:44
